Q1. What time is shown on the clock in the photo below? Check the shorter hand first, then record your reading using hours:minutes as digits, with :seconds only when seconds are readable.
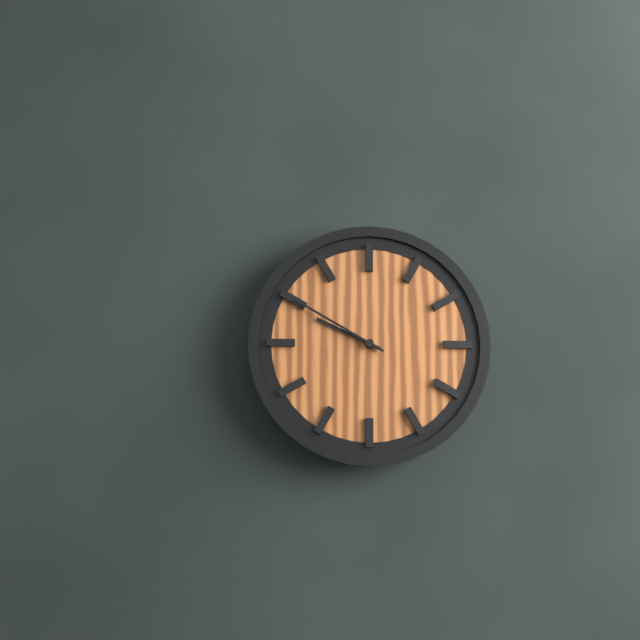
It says 9:50
